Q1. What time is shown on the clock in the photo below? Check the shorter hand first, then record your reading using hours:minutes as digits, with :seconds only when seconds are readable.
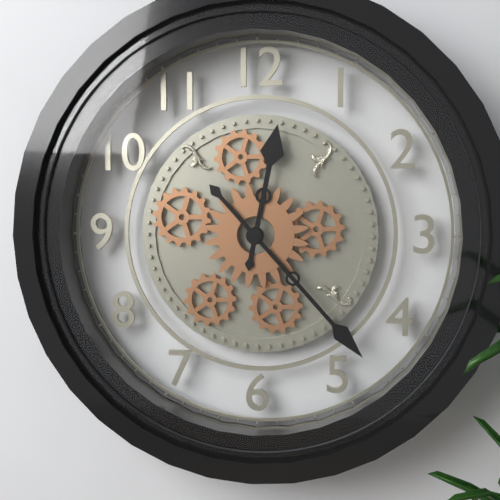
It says 12:23
